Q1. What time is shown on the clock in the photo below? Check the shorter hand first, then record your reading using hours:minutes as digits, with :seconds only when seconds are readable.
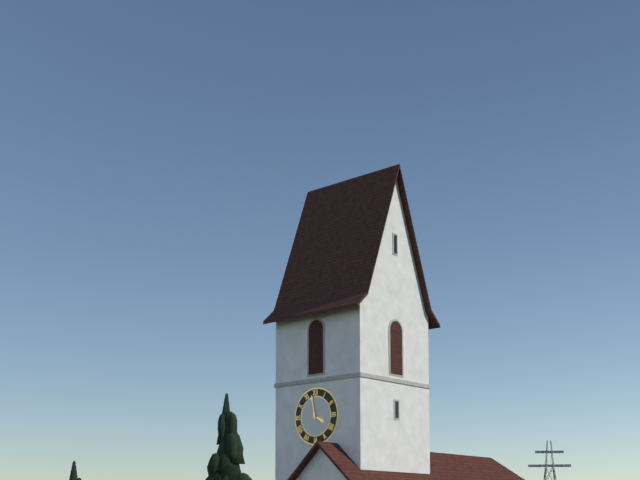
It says 3:58
